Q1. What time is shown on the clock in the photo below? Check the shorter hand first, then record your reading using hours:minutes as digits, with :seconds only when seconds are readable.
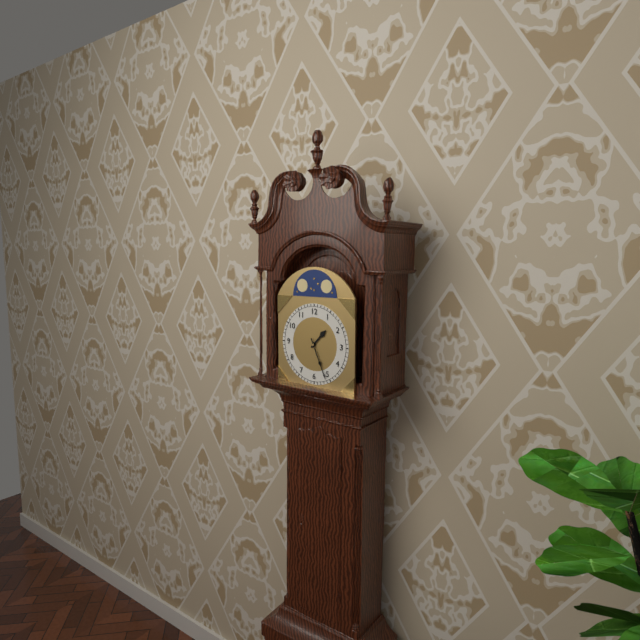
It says 1:26
